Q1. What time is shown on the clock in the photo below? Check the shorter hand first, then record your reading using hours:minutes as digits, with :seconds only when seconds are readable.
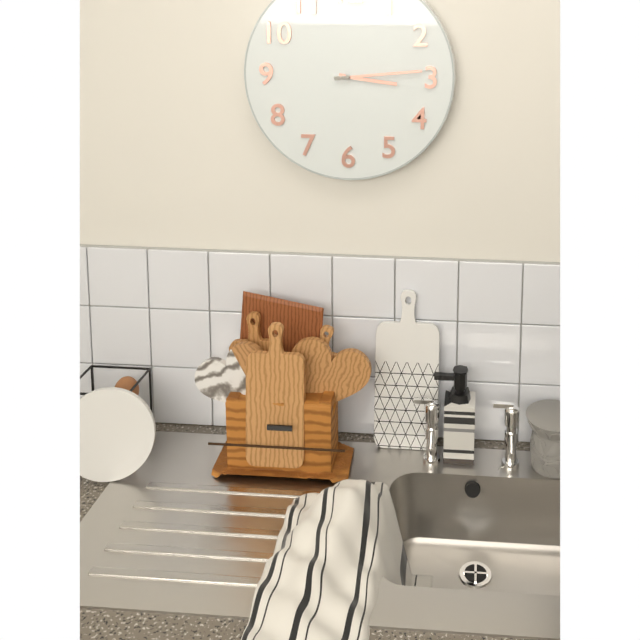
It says 3:14
